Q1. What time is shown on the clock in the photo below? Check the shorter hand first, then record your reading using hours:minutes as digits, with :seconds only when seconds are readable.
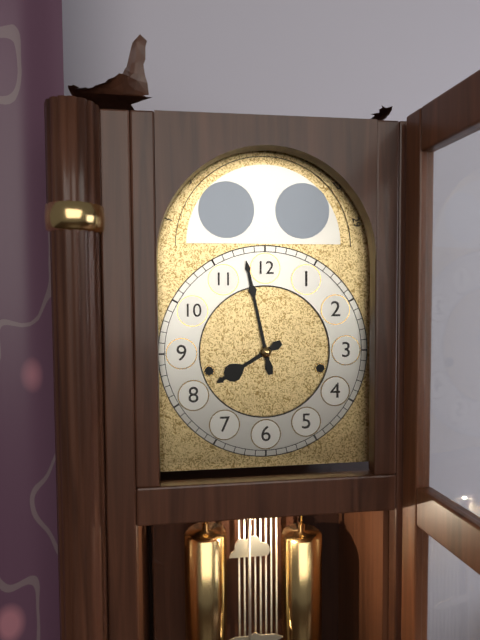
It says 7:58
